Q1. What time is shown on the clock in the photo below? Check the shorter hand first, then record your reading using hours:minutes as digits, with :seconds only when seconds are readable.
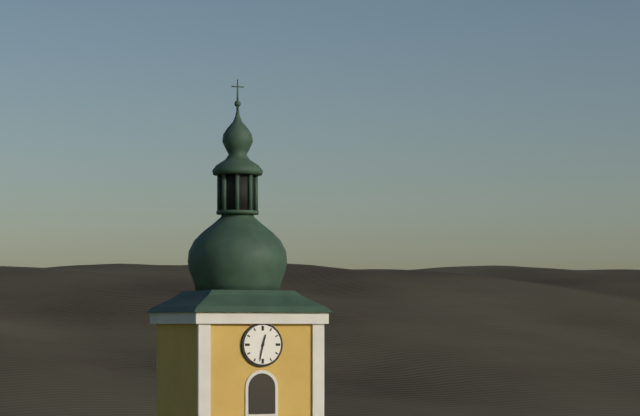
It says 12:32
